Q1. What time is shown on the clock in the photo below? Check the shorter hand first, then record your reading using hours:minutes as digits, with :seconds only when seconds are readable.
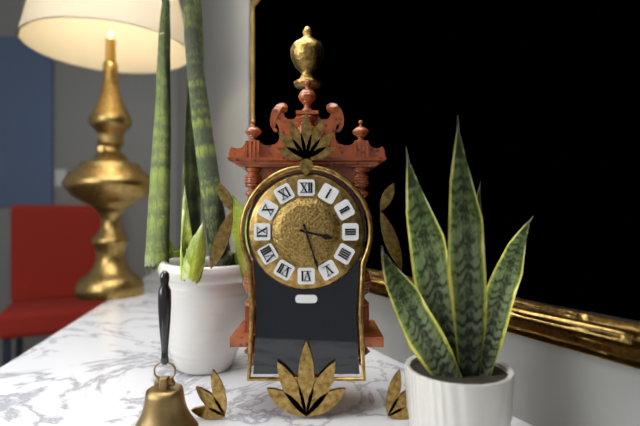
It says 3:27
